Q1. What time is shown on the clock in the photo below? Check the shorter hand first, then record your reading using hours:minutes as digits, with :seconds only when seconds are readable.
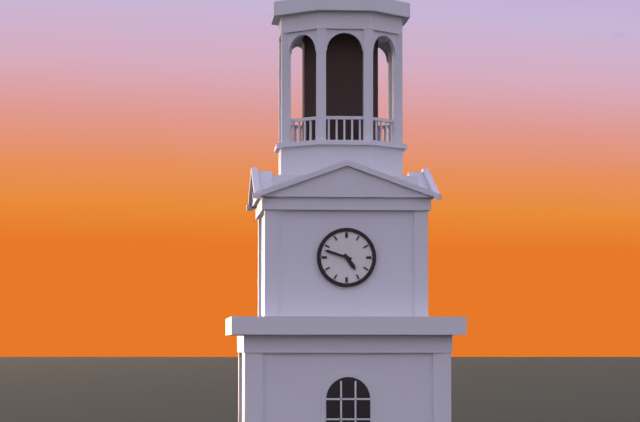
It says 4:48
